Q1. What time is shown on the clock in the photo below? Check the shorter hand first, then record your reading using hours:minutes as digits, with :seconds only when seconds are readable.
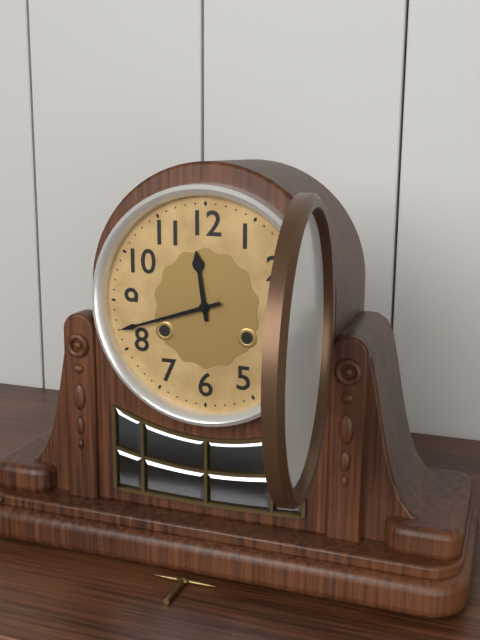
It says 11:42
